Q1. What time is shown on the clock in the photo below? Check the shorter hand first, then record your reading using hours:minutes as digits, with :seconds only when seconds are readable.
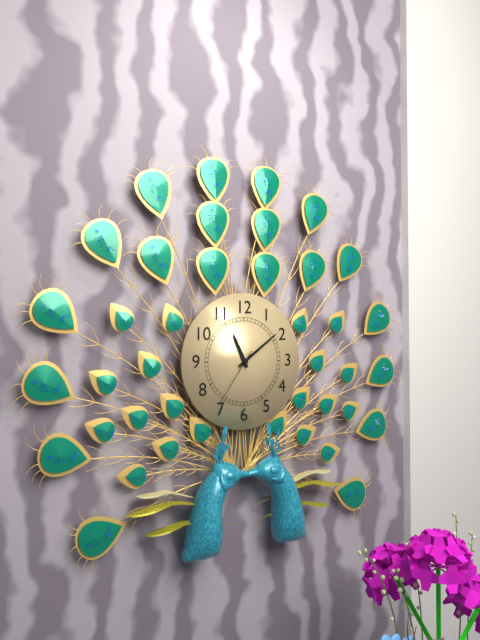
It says 11:09:36
